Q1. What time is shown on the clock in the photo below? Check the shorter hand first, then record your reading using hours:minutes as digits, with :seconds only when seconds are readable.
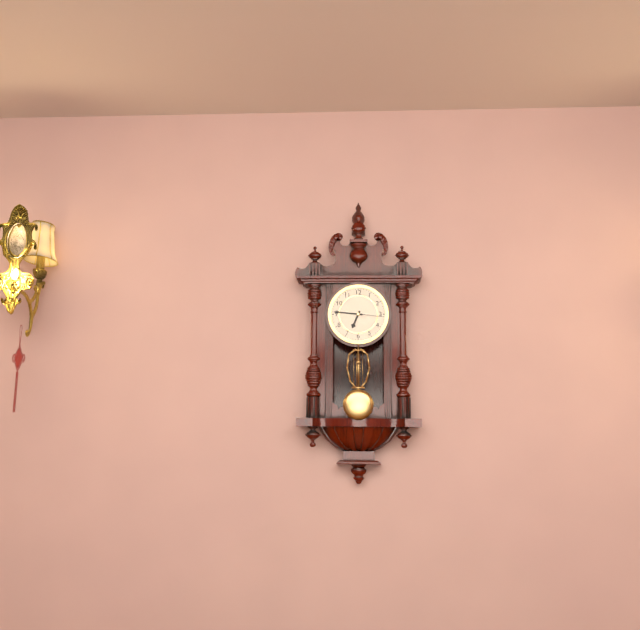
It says 6:46
